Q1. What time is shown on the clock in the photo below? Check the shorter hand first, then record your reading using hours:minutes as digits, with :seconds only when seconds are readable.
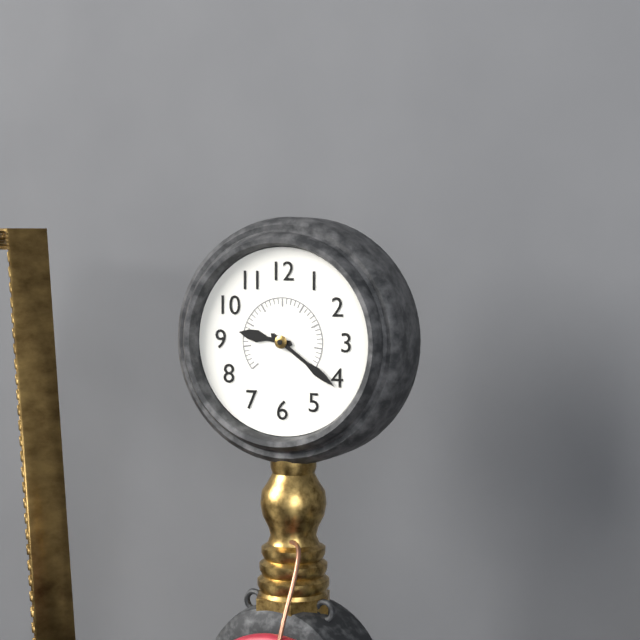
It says 9:21
